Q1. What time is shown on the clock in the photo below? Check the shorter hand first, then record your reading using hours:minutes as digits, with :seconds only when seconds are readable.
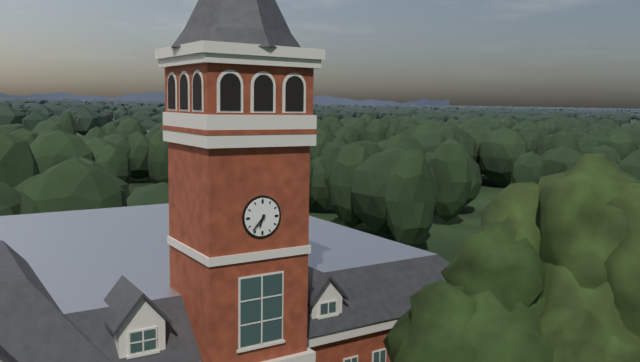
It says 6:37
